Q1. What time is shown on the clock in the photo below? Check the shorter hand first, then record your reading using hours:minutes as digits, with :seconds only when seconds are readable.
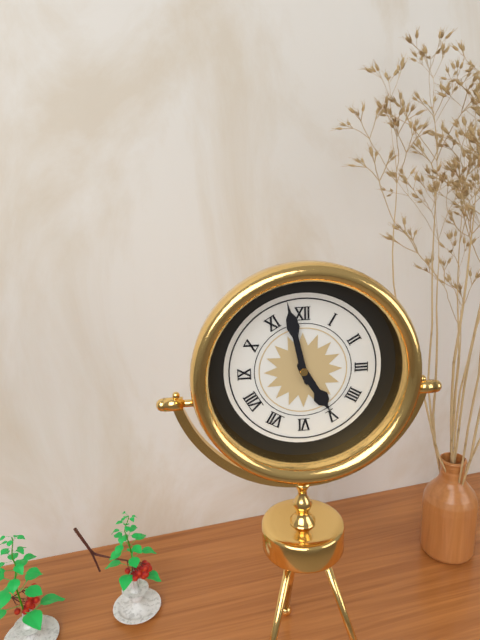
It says 4:58
